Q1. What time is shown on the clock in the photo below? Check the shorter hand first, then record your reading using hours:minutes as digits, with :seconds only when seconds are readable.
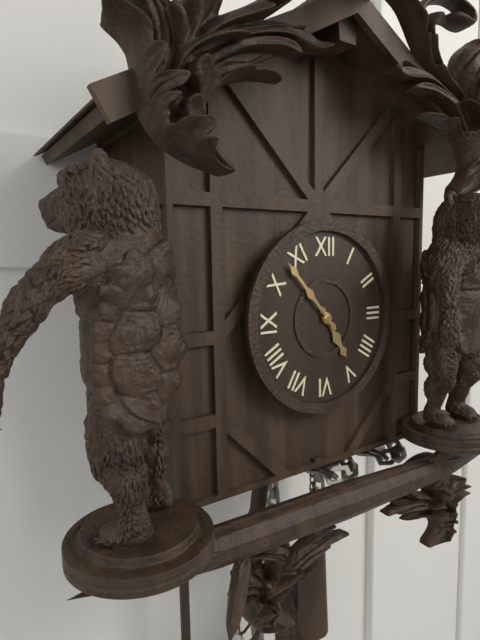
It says 4:53
